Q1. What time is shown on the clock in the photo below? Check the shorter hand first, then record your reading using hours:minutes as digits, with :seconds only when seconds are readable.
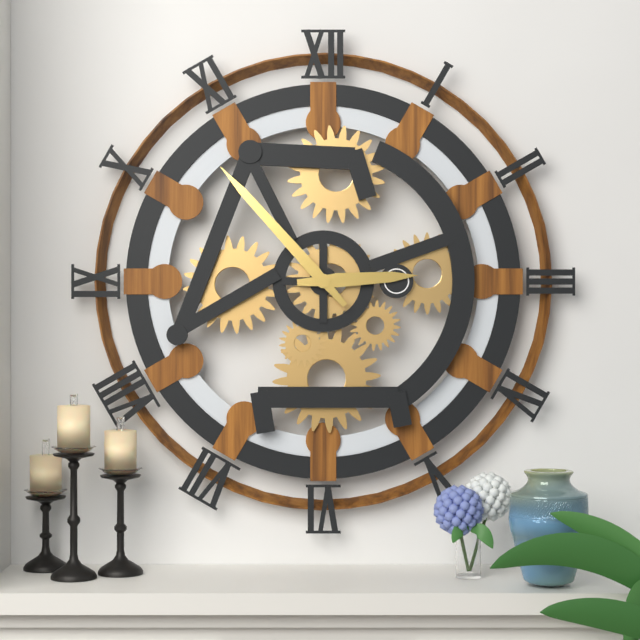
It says 2:53
